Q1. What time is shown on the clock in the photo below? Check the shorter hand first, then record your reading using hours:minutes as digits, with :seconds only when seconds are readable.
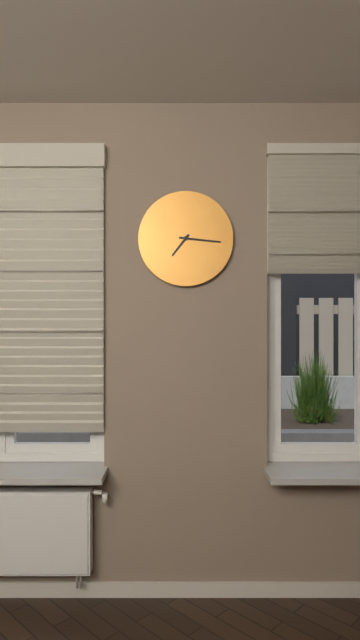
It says 7:16
